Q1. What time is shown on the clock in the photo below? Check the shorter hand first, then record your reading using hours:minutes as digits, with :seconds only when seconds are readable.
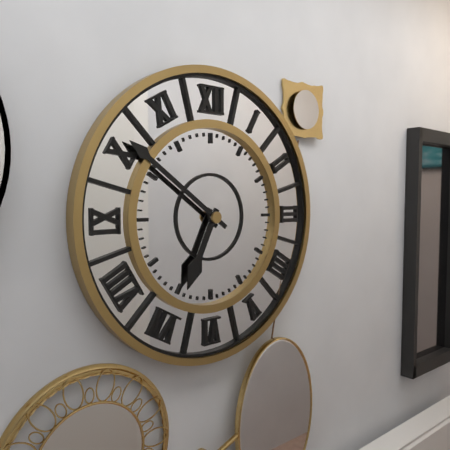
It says 6:51
